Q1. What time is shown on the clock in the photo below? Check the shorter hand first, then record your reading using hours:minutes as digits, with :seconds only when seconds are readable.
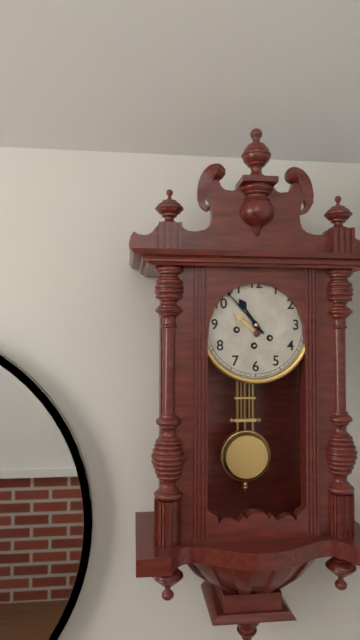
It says 10:53
